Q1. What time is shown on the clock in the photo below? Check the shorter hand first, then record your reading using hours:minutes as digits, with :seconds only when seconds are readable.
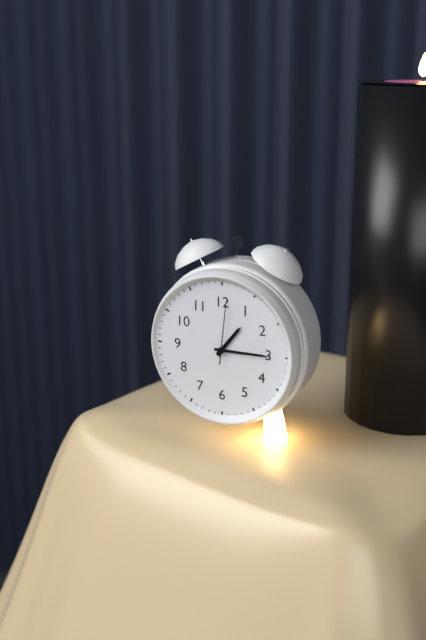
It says 1:15:01
